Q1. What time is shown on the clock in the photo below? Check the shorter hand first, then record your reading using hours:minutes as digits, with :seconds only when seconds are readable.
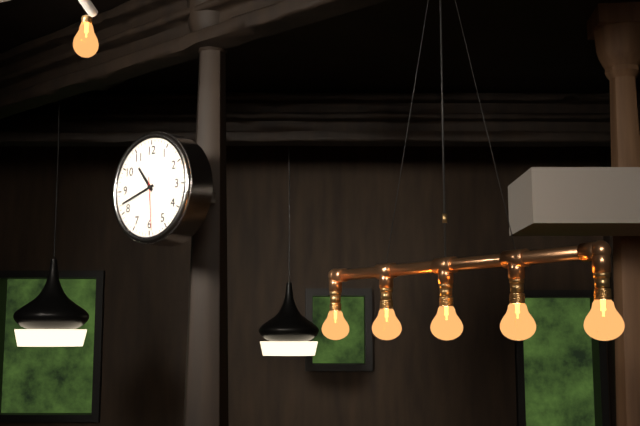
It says 10:42:29
